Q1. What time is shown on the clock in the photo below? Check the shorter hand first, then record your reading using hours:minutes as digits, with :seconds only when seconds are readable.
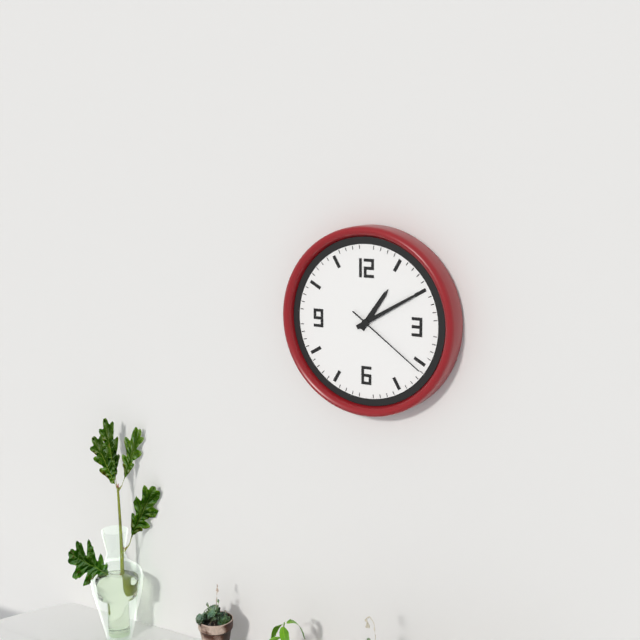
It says 1:10:21
